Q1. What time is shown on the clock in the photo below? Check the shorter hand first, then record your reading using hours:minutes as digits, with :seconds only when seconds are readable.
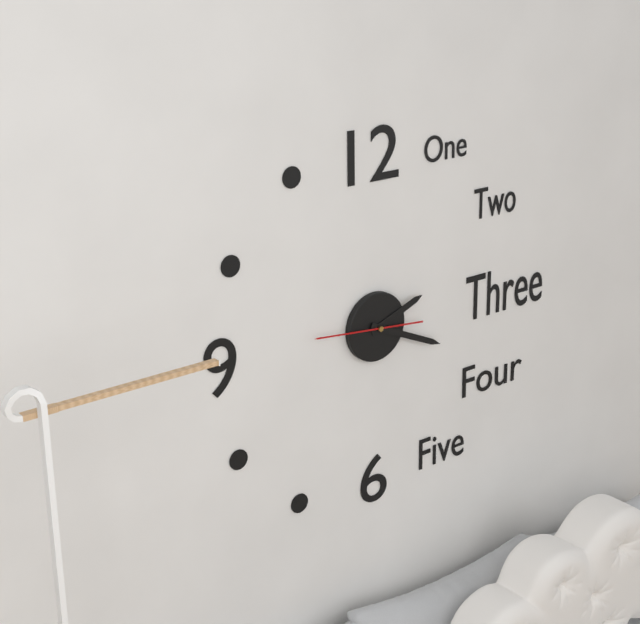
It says 2:19:46
